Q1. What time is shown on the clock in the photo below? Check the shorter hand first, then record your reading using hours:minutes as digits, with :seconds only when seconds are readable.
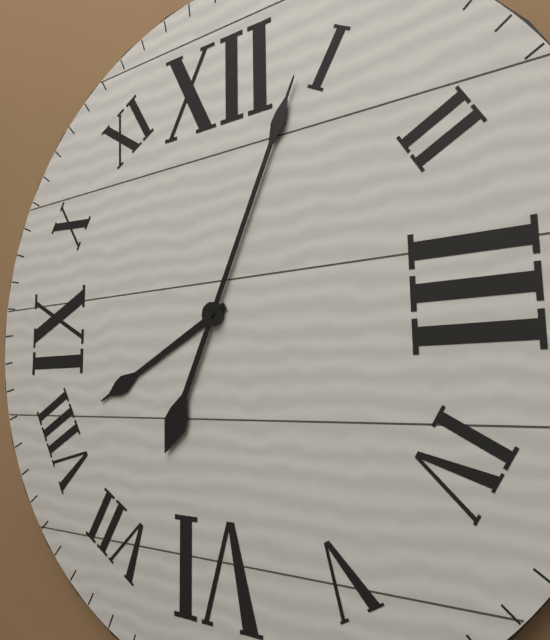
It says 8:04
